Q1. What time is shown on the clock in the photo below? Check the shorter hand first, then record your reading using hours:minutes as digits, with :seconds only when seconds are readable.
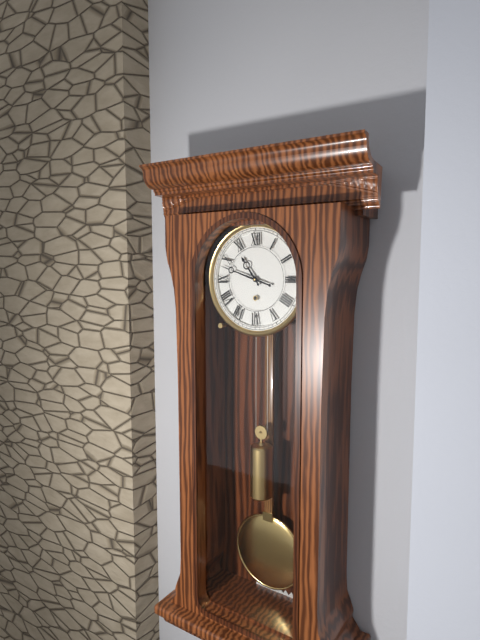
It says 10:48
